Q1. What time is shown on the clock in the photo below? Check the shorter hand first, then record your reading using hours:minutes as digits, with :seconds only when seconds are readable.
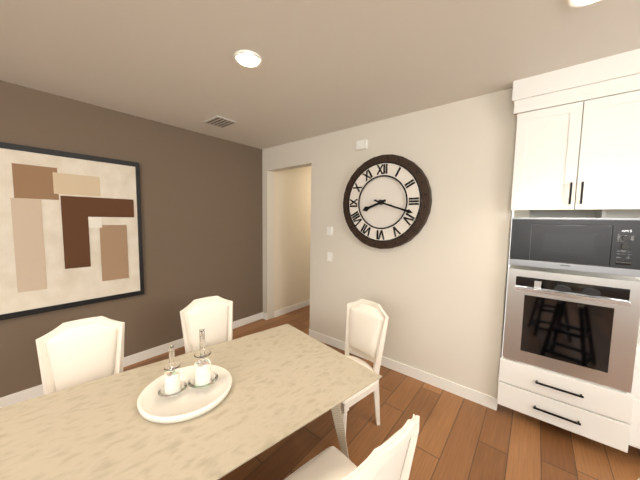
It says 8:18
